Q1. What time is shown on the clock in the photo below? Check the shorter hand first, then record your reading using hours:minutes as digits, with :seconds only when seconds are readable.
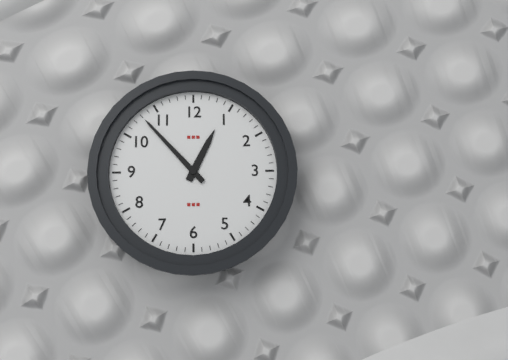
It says 12:53
